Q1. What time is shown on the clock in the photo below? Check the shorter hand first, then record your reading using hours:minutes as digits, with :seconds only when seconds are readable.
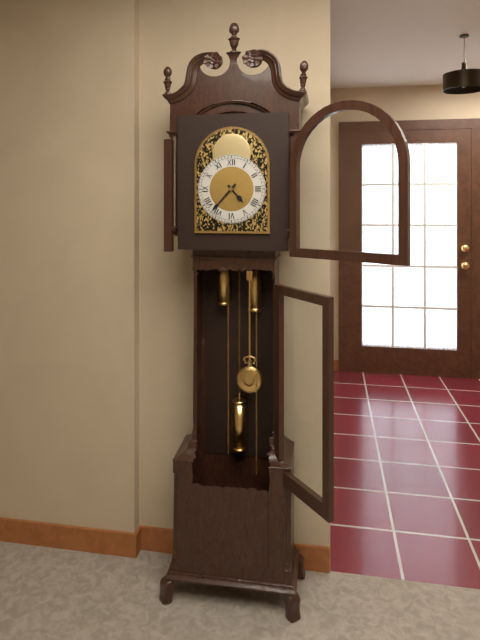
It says 4:37
